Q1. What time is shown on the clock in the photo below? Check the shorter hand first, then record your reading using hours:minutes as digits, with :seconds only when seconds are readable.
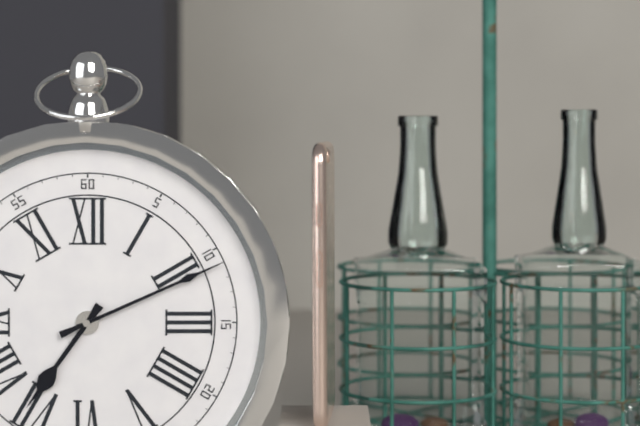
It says 7:11
